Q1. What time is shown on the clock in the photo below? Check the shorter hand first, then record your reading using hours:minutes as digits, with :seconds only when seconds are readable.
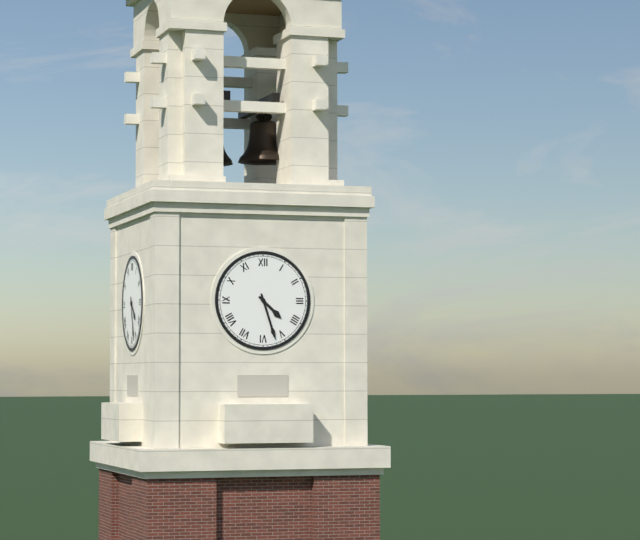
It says 4:27
